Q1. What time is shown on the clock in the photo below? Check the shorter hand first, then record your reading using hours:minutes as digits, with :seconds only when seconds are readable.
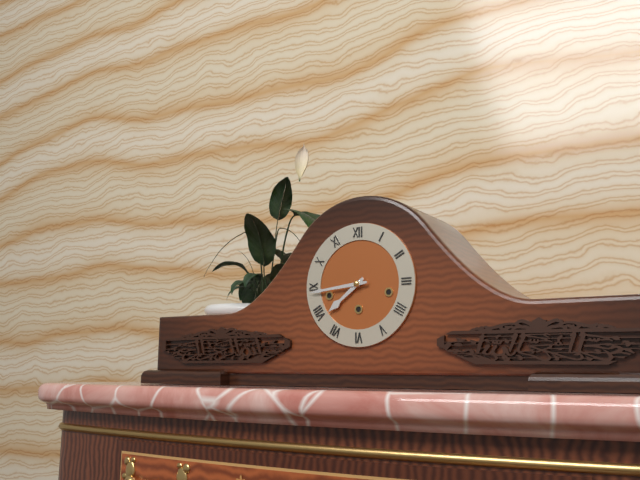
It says 7:44
